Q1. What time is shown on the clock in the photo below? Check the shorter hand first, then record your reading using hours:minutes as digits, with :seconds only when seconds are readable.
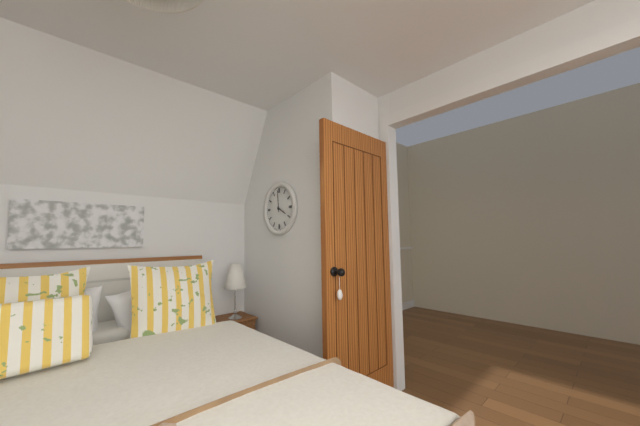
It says 3:59
